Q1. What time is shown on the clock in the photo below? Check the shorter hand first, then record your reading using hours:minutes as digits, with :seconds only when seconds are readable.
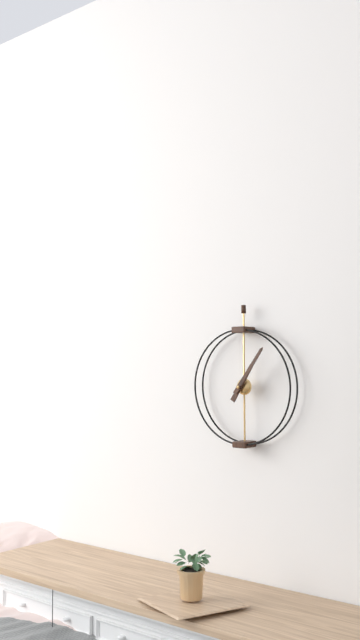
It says 1:06
